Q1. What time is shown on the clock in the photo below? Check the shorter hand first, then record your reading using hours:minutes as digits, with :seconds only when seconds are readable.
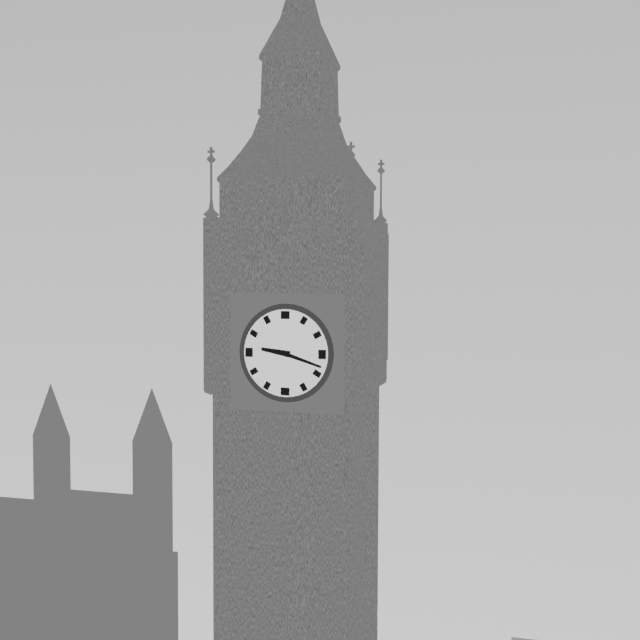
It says 9:18
